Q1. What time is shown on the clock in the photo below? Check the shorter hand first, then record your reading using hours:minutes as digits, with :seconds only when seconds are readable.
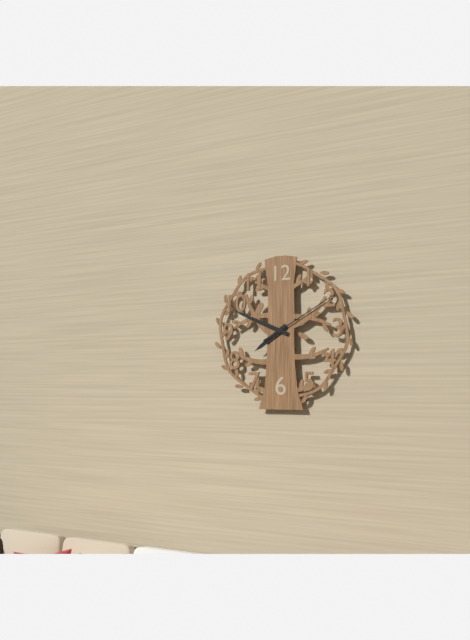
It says 7:49:10
